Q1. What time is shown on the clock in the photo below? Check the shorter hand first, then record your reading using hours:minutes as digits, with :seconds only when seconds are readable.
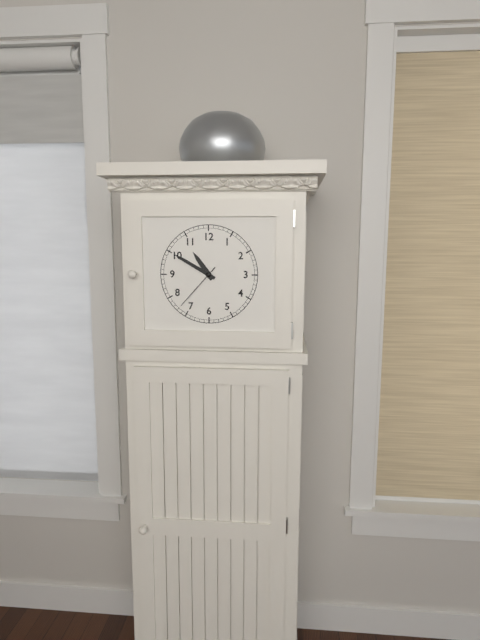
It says 10:50:37
